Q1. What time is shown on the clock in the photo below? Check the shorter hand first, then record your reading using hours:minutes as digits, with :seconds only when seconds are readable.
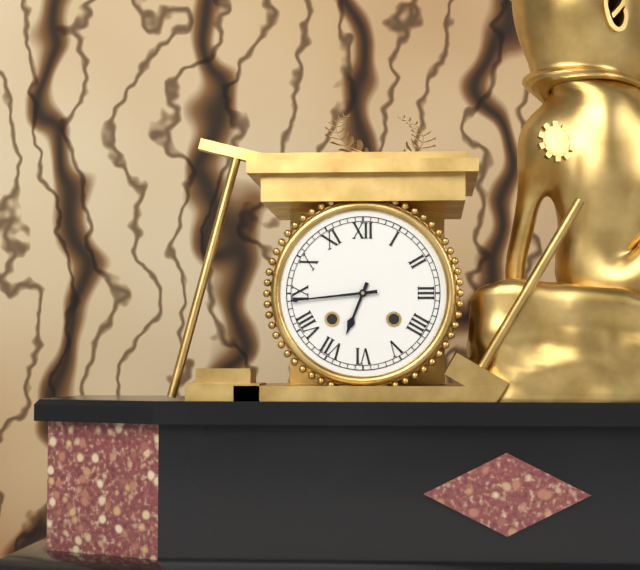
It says 6:44
